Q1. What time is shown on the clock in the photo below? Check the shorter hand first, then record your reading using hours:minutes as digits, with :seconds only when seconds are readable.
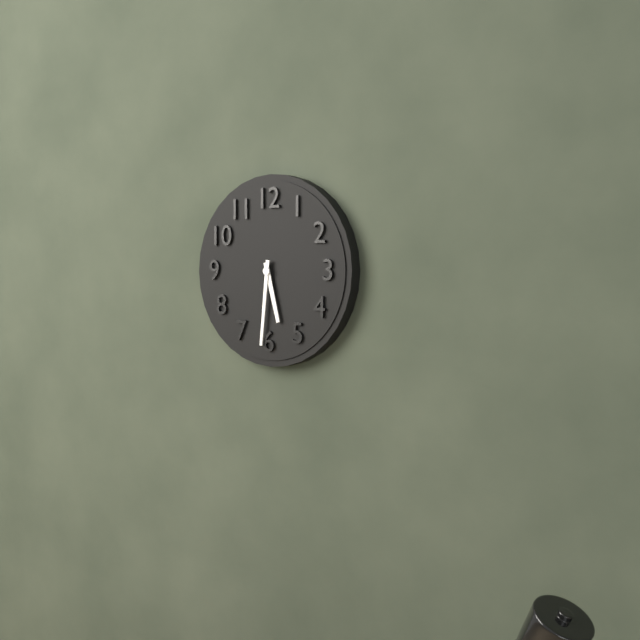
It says 5:31
